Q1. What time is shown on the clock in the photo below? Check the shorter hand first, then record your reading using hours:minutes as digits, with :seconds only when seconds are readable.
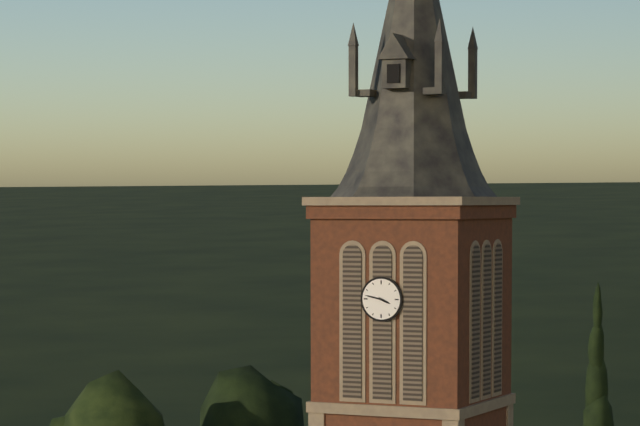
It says 3:47
